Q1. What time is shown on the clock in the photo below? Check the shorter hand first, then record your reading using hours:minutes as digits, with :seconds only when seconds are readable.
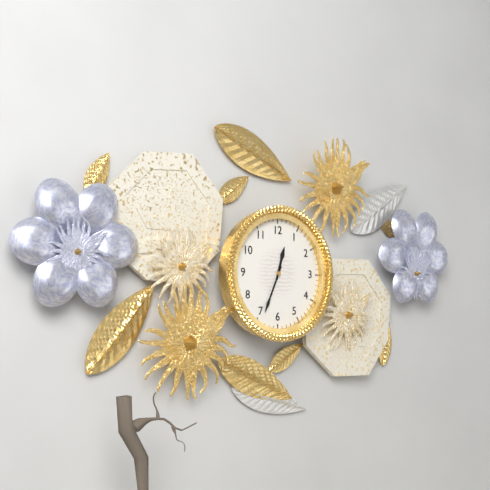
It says 12:34
